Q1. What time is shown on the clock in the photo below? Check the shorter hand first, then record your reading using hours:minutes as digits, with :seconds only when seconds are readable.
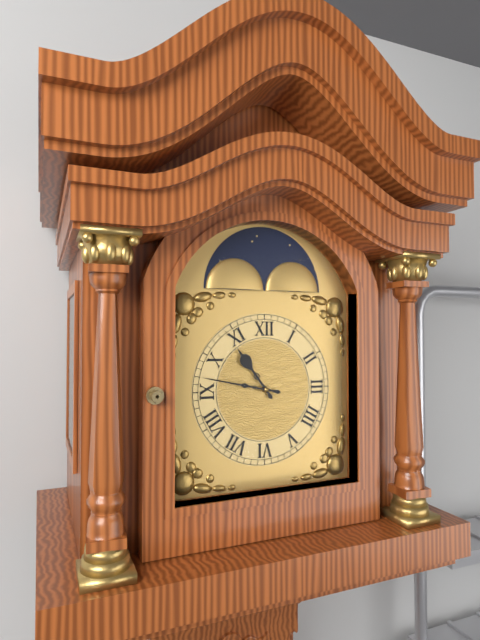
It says 10:47
